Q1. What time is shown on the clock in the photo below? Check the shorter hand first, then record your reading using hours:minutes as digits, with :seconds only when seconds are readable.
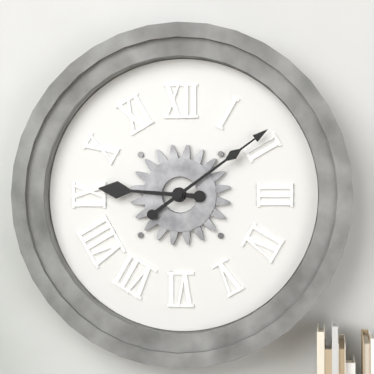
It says 9:09
